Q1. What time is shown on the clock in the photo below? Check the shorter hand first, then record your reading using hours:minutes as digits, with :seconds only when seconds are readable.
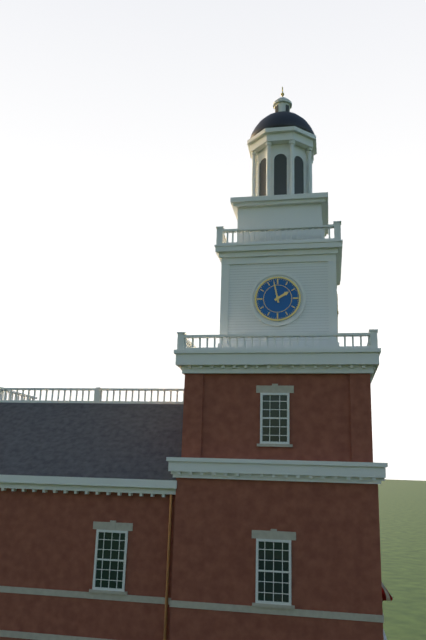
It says 1:58
